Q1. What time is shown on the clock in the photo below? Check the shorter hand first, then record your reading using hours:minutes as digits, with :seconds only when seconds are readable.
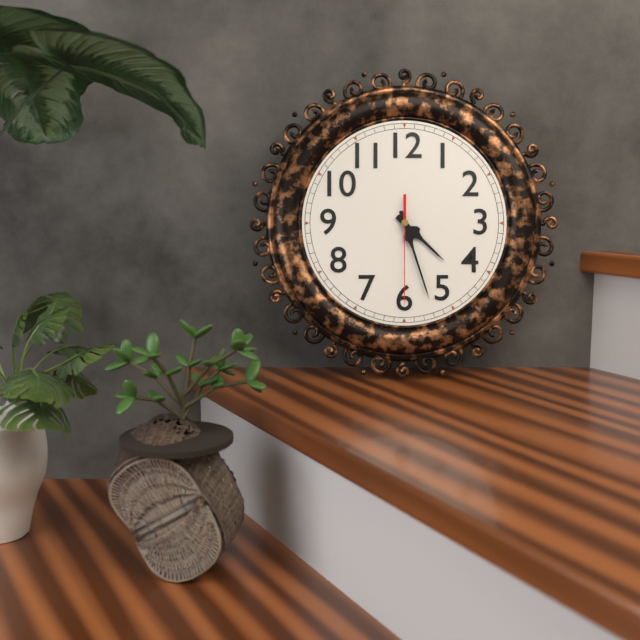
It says 4:27:30
